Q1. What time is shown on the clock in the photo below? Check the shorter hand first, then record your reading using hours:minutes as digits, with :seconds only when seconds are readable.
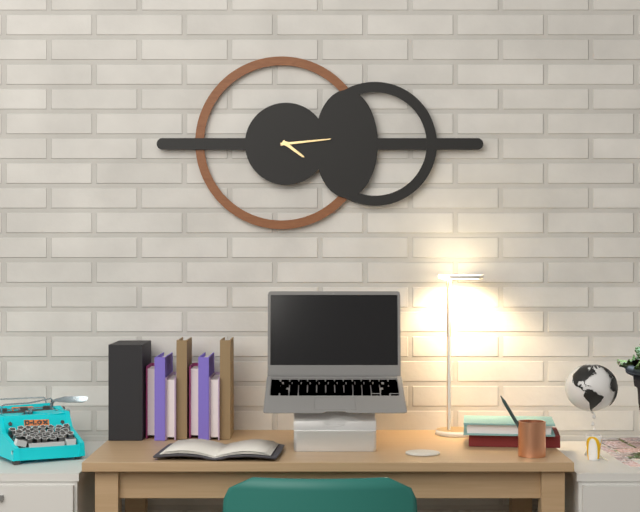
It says 4:14
